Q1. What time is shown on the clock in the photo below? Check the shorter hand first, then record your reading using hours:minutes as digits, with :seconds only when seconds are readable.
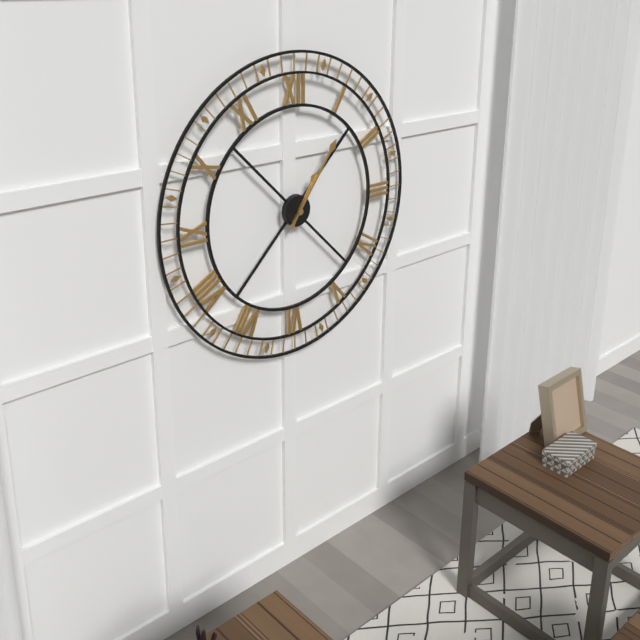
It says 1:06
